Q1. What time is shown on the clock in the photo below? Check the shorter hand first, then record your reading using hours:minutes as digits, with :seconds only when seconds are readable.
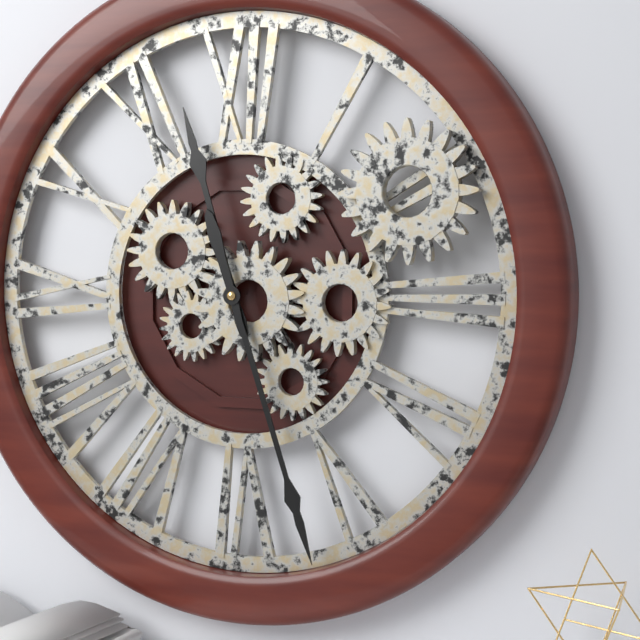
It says 11:27
